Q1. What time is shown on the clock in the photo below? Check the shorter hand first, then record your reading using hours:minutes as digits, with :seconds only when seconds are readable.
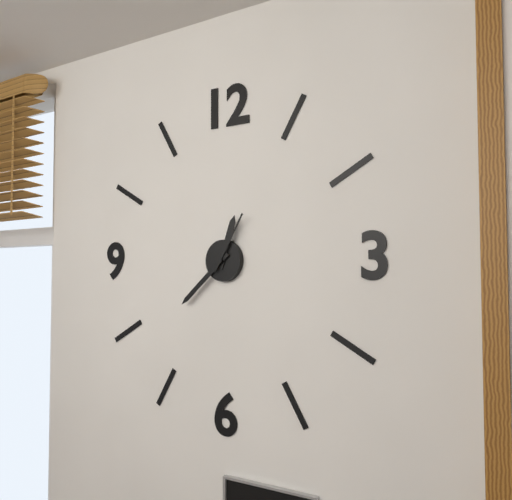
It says 12:38:05
